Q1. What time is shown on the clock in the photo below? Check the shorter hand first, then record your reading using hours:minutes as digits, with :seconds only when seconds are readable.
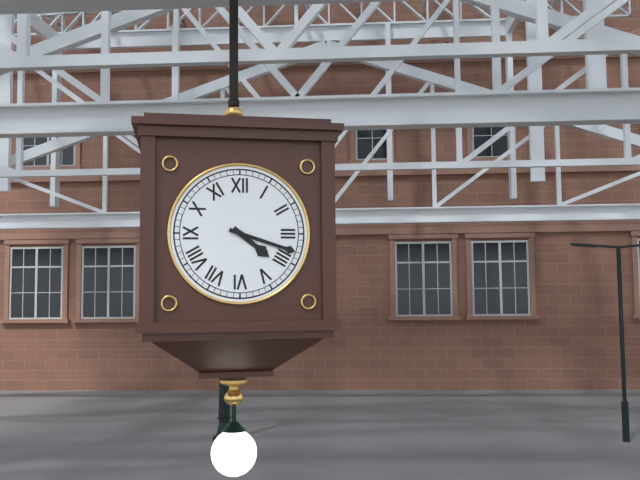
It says 4:18
